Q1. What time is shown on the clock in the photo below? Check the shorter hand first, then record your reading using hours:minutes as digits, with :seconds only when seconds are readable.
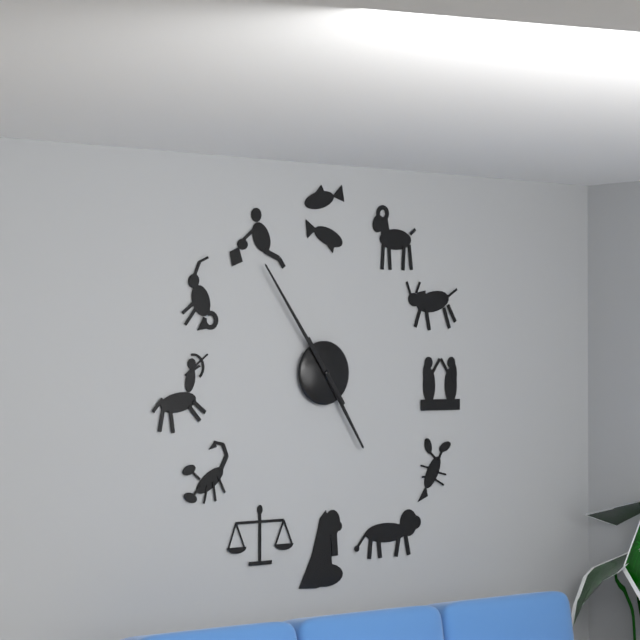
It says 4:54
